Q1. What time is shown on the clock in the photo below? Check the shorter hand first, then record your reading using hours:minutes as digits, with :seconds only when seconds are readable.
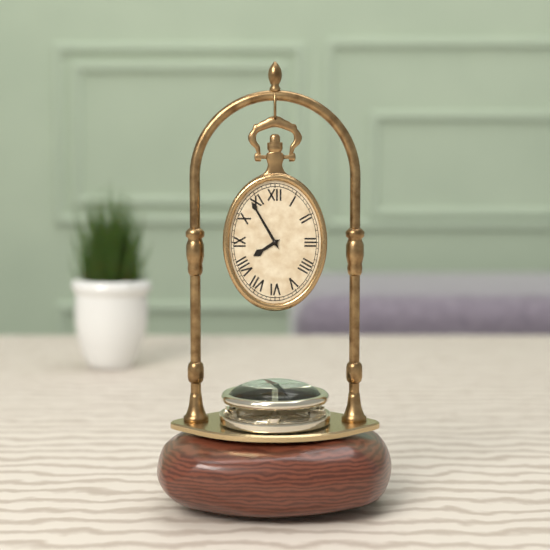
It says 7:55
